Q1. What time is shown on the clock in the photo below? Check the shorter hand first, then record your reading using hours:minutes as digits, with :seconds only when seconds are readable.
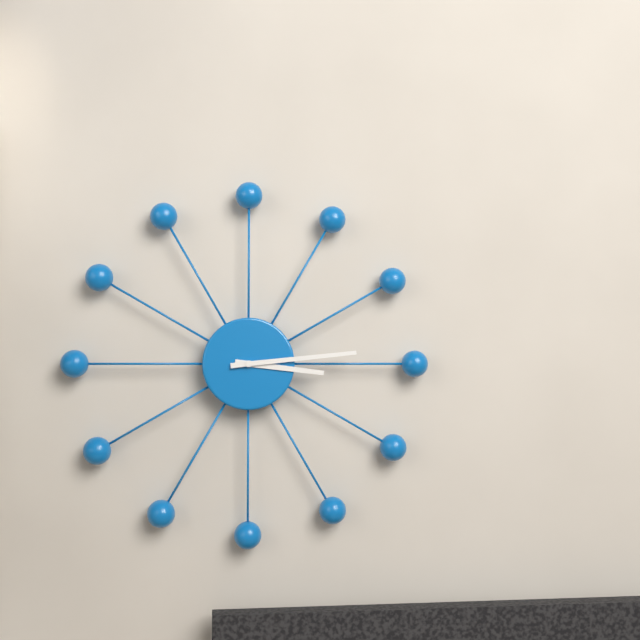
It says 3:14
